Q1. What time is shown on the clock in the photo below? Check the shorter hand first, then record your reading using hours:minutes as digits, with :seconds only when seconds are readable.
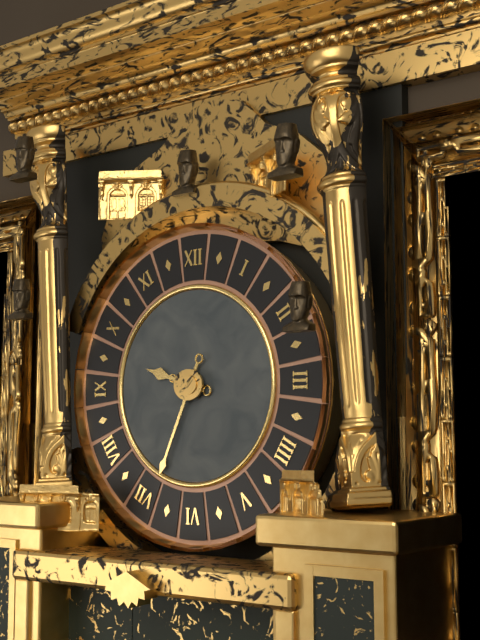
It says 9:34
